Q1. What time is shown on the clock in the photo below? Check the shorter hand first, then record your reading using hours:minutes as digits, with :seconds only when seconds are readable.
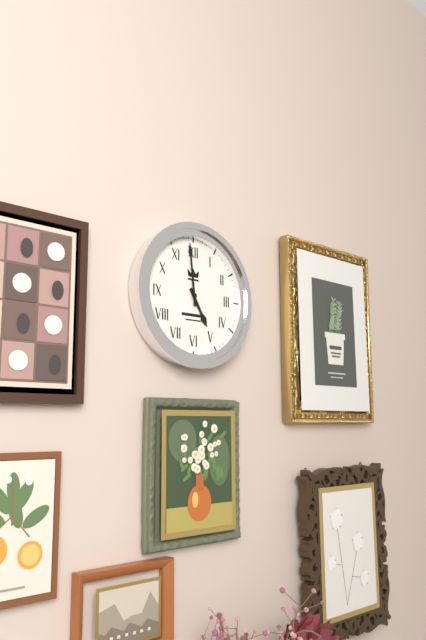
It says 4:59
